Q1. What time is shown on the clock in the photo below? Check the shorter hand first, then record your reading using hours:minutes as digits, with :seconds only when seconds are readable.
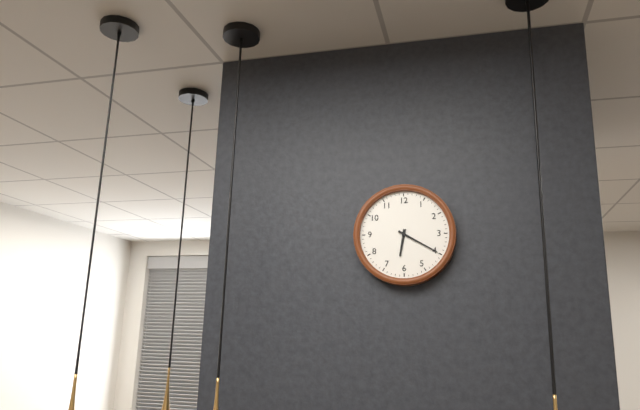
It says 6:20
